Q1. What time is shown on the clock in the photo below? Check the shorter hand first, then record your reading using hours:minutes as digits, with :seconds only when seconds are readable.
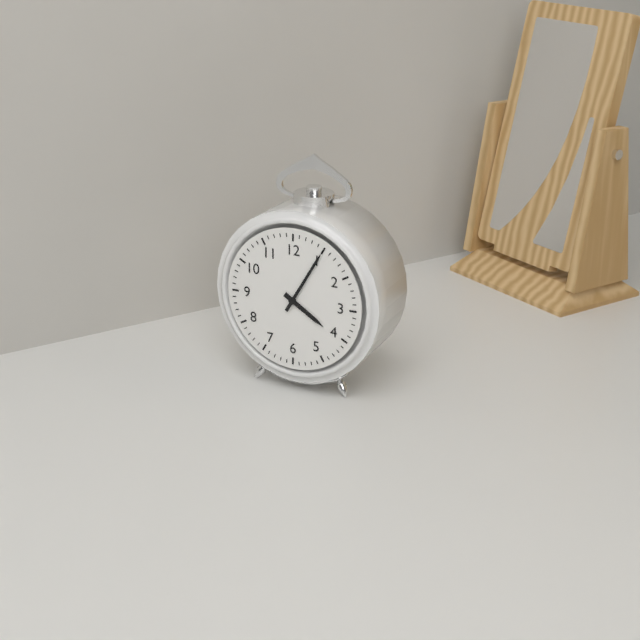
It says 4:05
